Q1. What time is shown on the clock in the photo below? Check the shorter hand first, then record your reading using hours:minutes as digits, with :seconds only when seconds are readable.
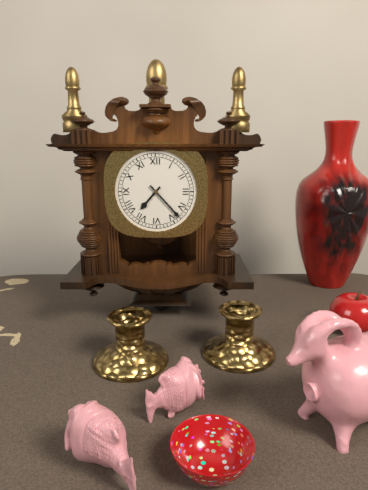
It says 7:23
